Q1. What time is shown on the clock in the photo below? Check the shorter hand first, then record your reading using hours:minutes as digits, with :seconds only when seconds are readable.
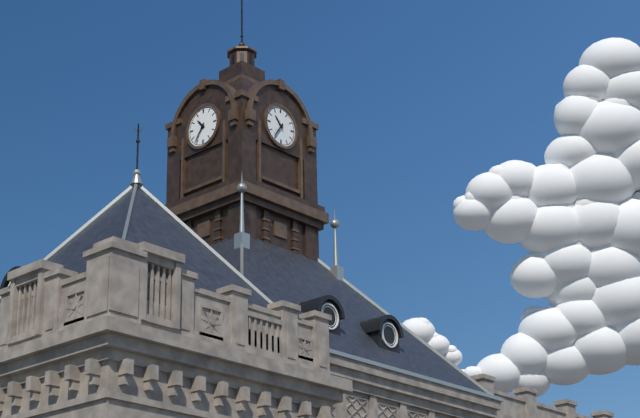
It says 10:36
